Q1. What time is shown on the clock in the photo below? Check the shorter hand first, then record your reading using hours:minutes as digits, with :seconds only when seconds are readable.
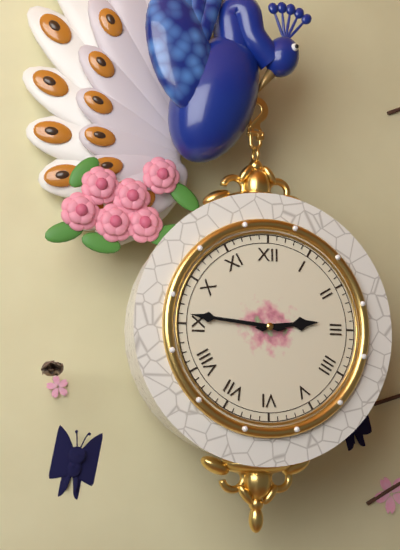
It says 2:46
